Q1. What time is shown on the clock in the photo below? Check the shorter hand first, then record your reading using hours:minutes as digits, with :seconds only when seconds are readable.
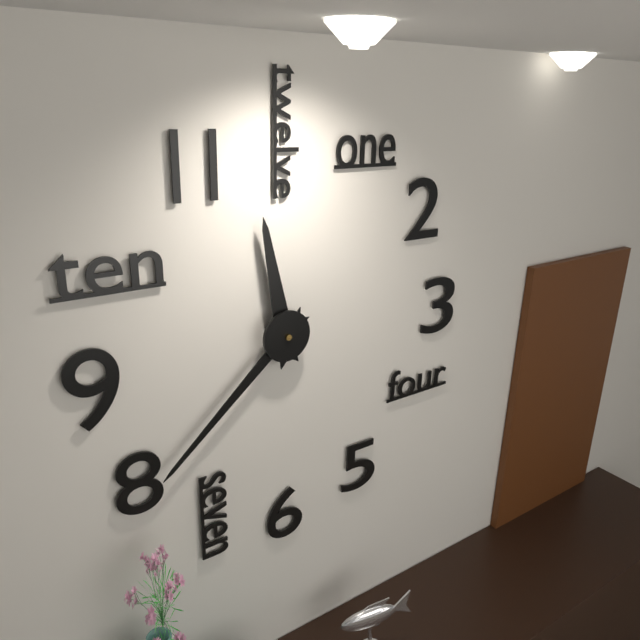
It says 11:38
